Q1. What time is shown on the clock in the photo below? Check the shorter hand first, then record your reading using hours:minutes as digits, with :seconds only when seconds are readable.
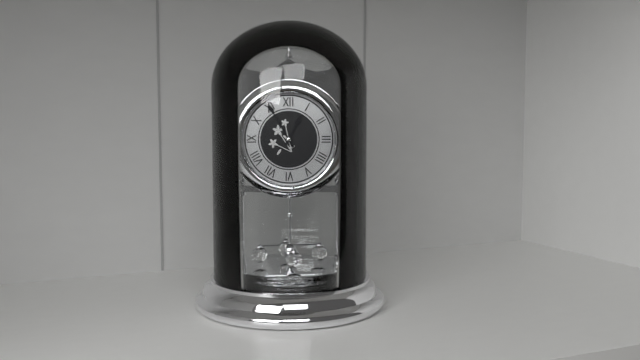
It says 12:55
